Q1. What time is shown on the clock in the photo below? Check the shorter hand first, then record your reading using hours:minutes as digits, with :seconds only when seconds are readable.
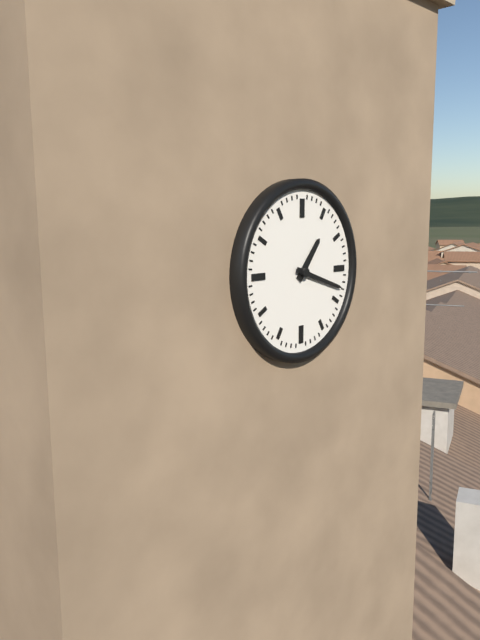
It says 1:18
